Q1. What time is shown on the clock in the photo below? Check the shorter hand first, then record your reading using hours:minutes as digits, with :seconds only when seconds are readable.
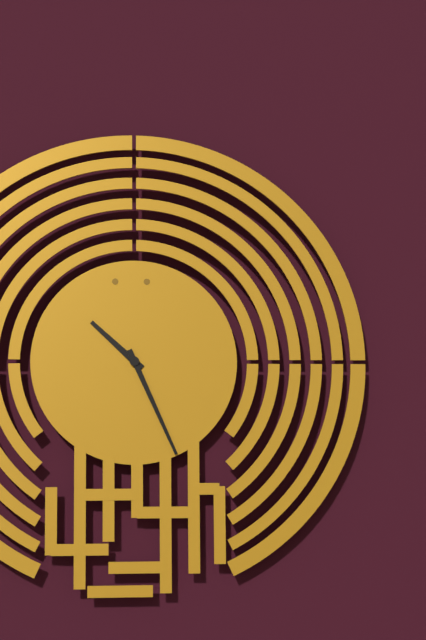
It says 10:26
